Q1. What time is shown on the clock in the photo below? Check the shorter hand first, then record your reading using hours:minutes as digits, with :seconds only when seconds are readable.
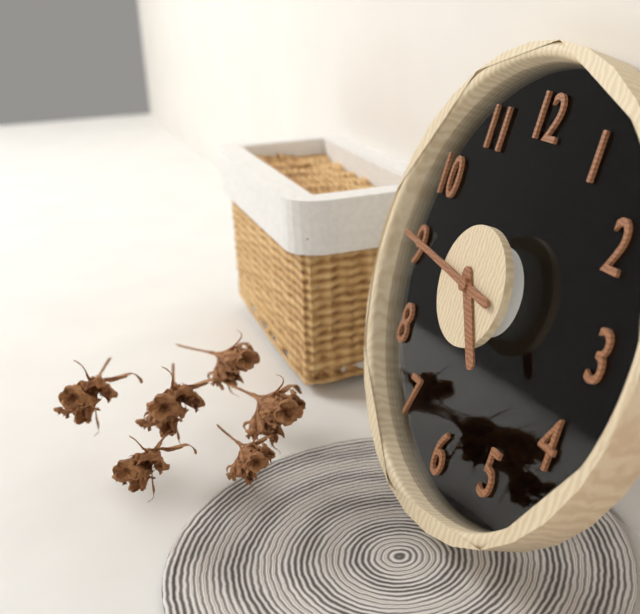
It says 4:46
